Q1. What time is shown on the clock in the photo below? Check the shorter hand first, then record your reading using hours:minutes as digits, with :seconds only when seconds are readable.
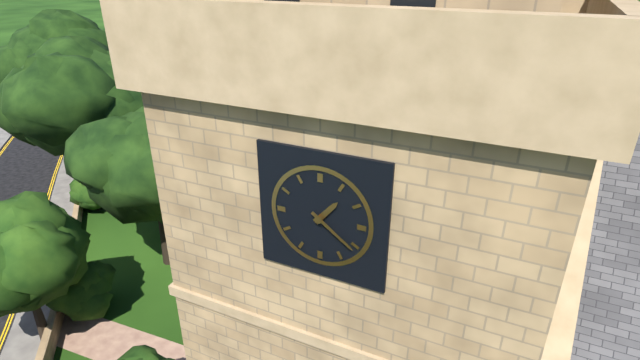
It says 1:21
